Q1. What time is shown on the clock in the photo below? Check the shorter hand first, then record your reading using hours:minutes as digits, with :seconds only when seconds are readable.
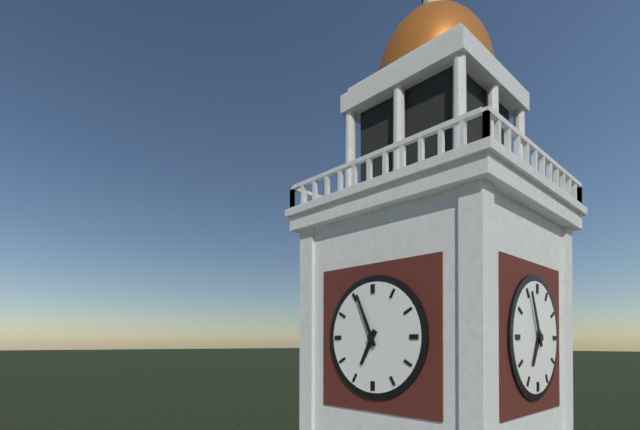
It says 6:56
